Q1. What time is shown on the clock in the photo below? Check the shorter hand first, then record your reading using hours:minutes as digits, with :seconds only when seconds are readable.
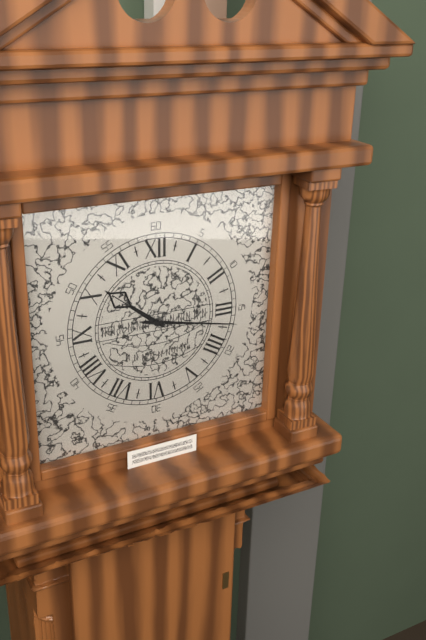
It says 10:17
